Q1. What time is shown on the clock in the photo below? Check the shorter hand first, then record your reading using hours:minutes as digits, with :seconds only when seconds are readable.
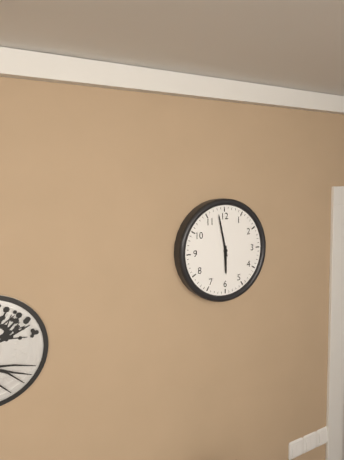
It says 5:58
